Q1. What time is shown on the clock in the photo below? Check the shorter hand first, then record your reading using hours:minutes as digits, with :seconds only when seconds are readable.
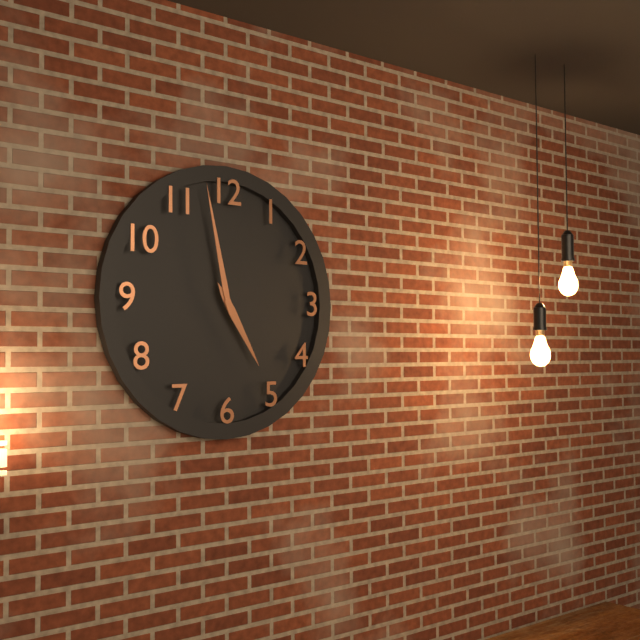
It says 4:58
